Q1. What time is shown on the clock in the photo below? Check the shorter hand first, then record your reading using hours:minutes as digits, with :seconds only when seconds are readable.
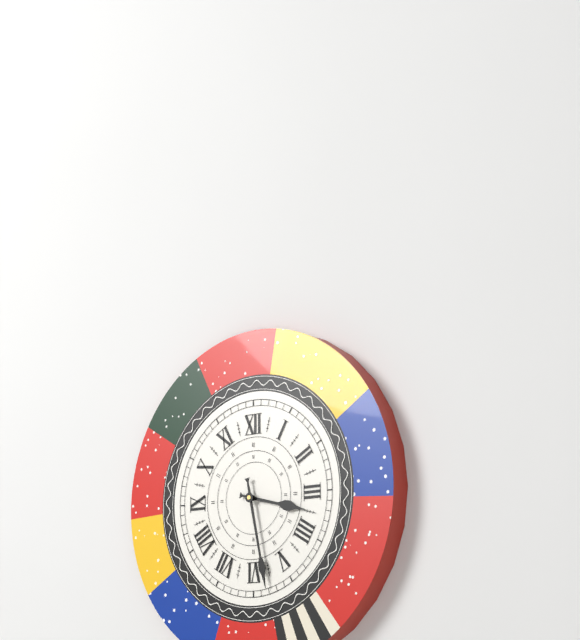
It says 3:28
